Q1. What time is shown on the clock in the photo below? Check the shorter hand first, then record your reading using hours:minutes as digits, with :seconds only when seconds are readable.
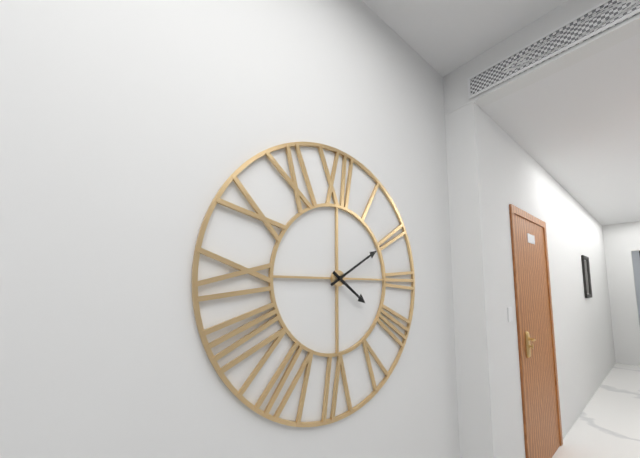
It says 4:10
